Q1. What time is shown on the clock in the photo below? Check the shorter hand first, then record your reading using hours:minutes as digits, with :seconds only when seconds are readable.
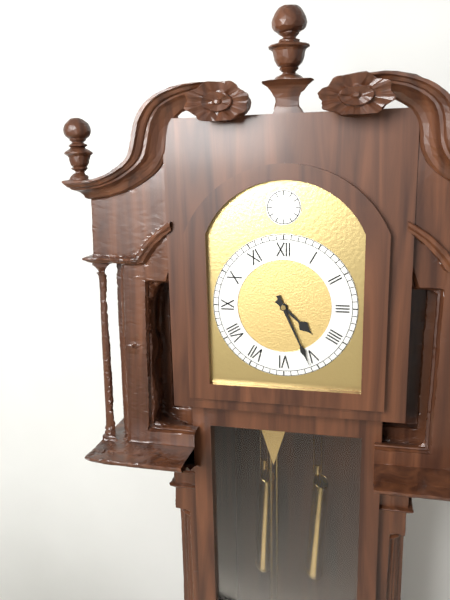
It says 4:26
